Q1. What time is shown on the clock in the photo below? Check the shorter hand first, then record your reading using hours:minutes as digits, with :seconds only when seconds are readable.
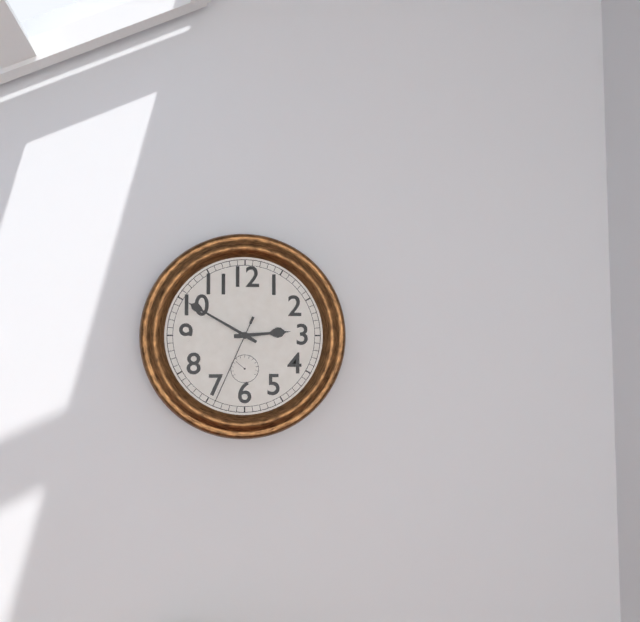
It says 2:50:34
